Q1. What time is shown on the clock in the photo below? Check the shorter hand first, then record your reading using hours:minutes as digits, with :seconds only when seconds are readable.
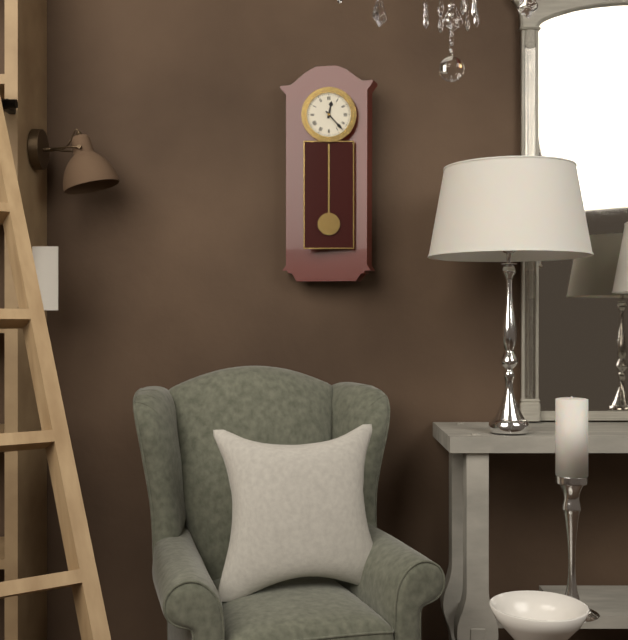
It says 12:23
